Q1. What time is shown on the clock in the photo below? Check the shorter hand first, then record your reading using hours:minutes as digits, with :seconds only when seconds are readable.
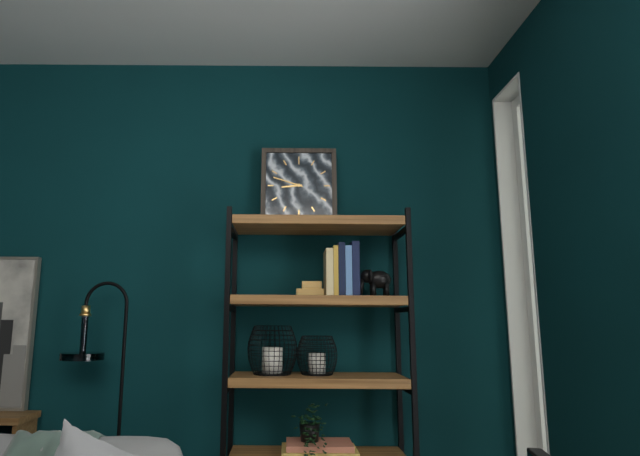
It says 8:48
